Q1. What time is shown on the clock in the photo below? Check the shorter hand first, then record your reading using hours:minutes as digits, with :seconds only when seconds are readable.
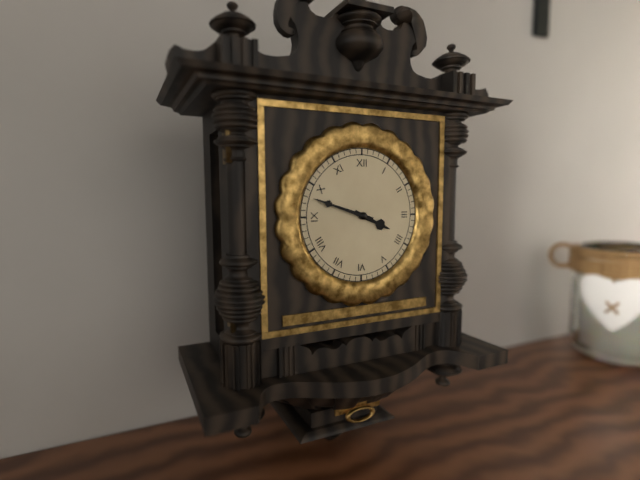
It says 3:48
